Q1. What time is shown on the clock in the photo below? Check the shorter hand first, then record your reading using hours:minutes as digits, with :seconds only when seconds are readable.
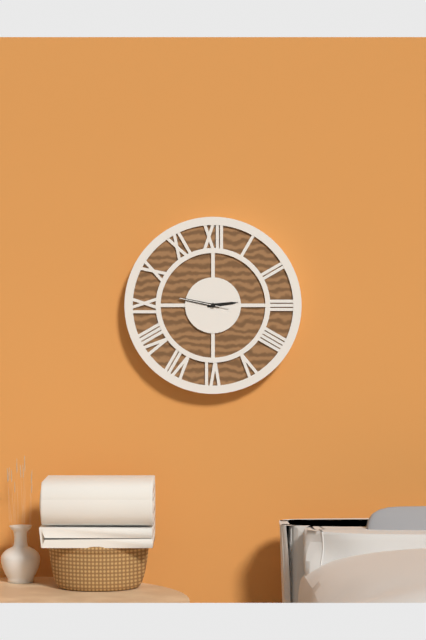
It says 2:47
